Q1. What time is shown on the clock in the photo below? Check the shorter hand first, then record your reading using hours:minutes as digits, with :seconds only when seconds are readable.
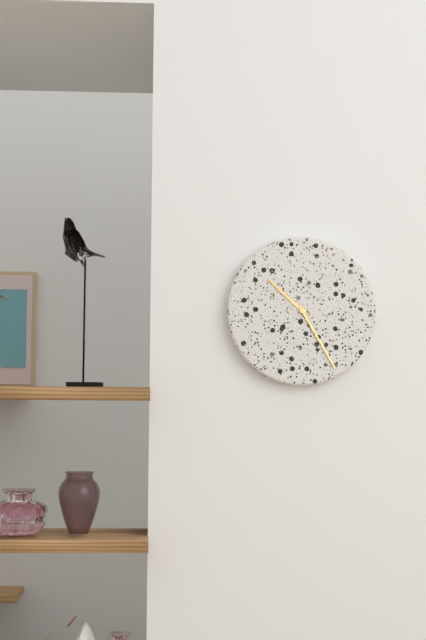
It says 10:25
